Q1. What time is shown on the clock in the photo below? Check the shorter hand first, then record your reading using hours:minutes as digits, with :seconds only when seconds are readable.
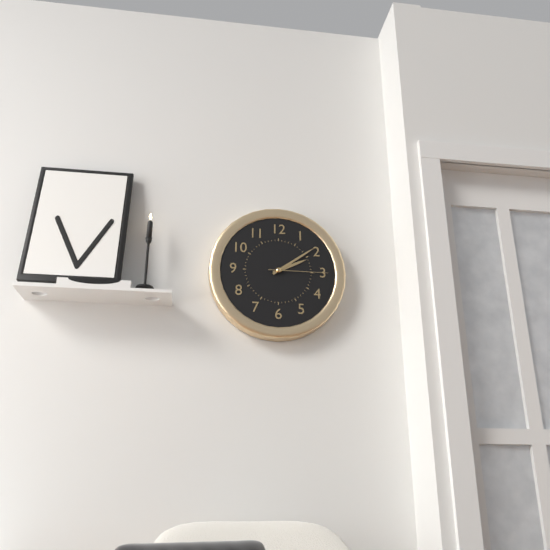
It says 2:09:15
